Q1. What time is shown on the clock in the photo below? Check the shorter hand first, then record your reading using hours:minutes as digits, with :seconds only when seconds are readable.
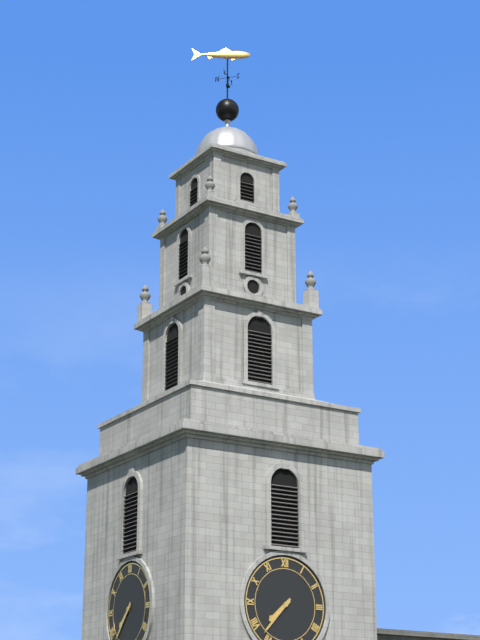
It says 7:37
